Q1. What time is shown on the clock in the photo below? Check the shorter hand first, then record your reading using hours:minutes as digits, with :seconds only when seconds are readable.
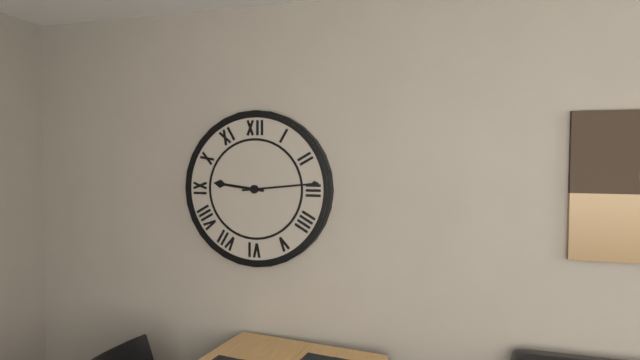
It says 9:14
